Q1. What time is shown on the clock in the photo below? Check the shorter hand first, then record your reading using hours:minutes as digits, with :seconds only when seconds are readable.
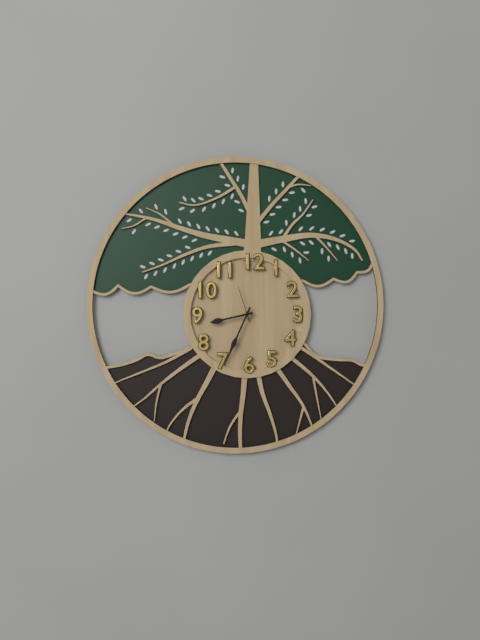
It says 8:34
